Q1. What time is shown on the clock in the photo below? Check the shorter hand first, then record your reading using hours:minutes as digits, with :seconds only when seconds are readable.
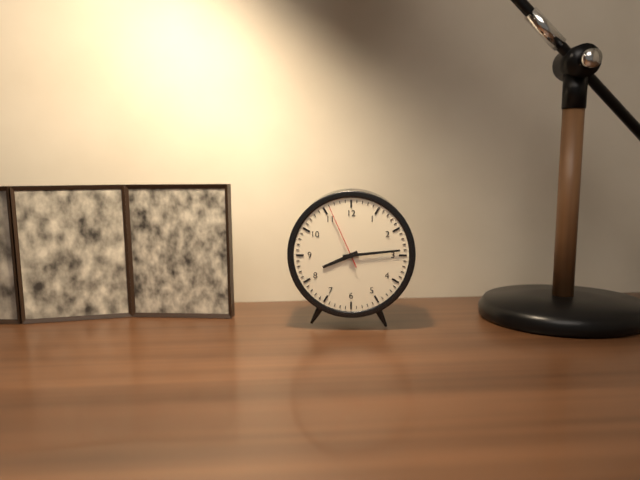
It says 8:14:56
